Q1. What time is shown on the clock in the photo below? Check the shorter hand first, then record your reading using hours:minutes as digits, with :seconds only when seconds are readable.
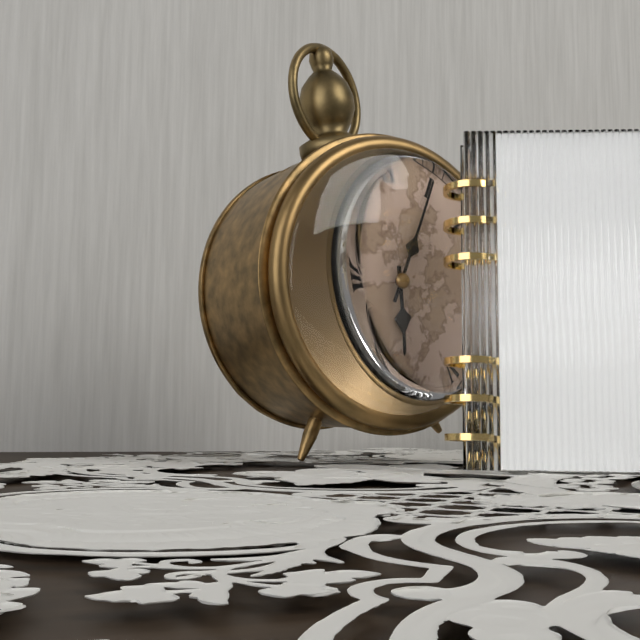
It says 6:05
